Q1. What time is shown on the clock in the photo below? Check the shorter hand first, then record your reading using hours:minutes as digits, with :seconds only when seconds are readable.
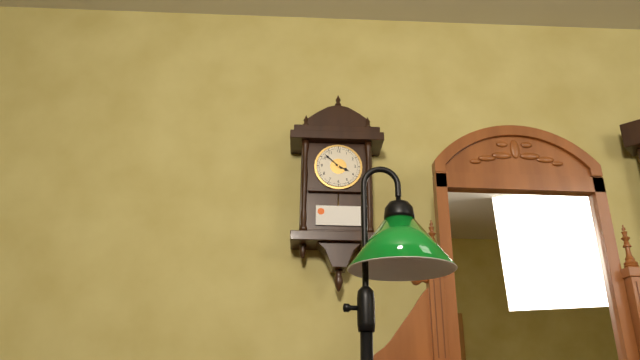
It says 3:52
